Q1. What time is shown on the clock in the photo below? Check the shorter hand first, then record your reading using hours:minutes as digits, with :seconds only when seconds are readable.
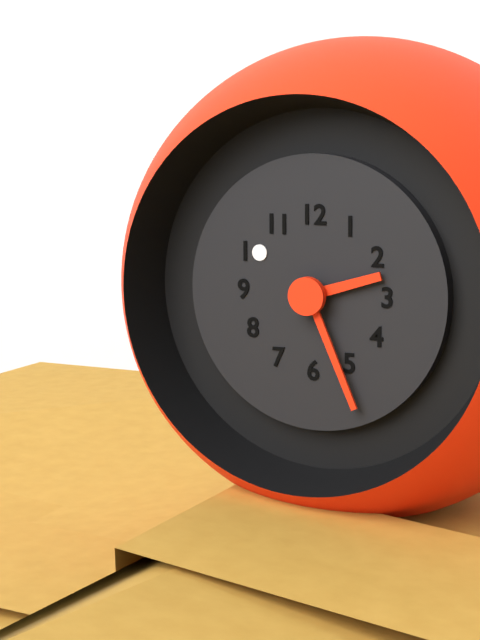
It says 2:26
